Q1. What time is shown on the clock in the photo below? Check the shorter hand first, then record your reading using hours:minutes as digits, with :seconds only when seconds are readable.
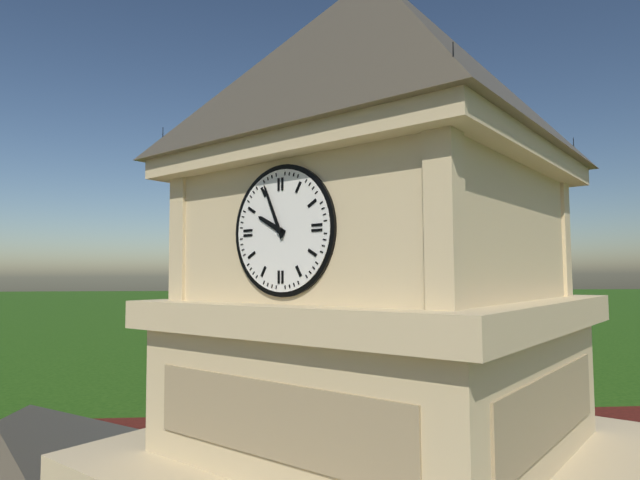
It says 9:56
